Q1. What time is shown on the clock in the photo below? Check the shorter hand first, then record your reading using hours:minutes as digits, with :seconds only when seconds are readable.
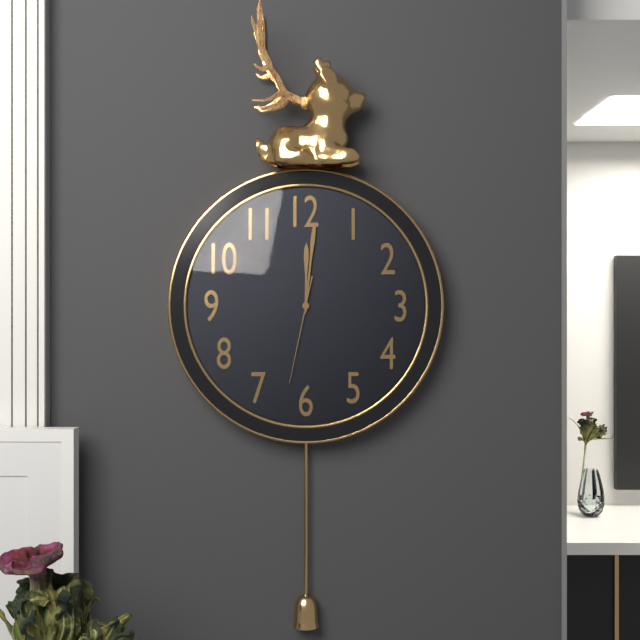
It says 12:01:32
